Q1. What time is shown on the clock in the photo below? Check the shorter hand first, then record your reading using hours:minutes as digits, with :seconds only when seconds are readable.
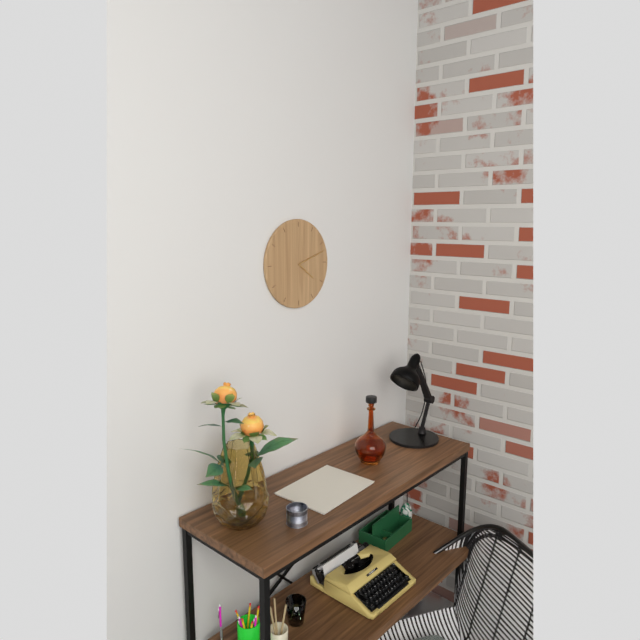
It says 4:12
